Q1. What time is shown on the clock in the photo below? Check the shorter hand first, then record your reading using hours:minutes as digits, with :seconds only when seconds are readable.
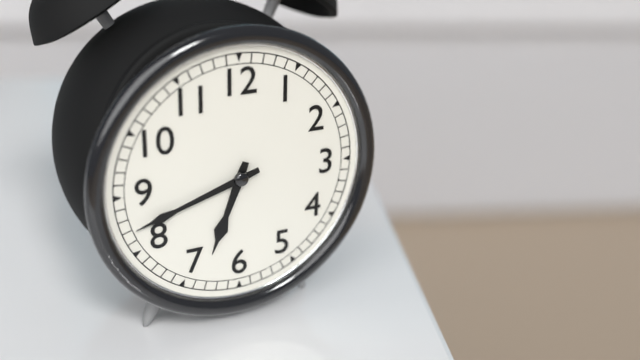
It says 6:42
